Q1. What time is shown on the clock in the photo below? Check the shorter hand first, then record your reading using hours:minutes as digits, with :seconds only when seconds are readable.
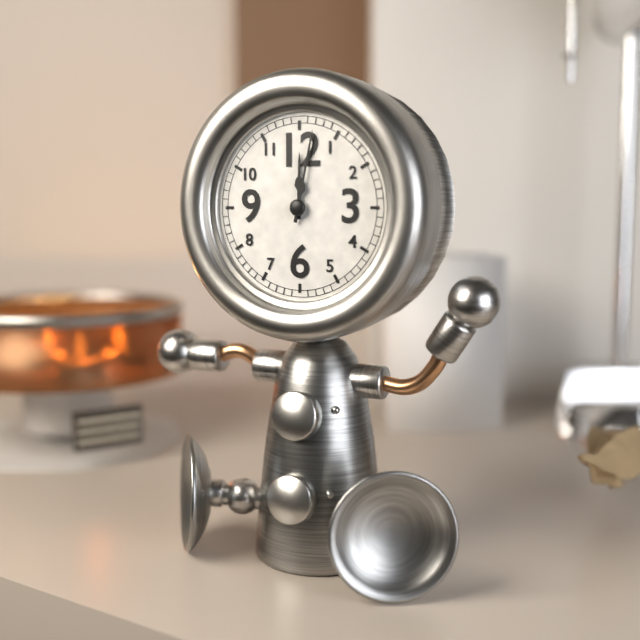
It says 12:02
